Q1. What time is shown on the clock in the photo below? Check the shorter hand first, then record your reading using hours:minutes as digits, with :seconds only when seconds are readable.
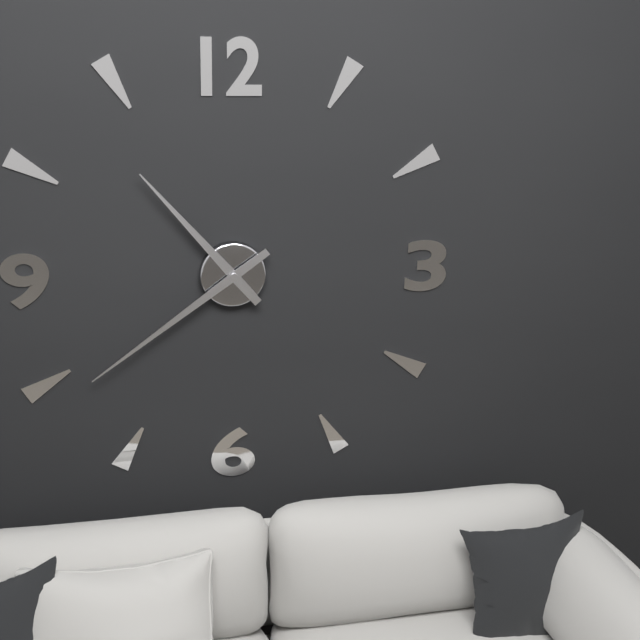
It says 10:39
